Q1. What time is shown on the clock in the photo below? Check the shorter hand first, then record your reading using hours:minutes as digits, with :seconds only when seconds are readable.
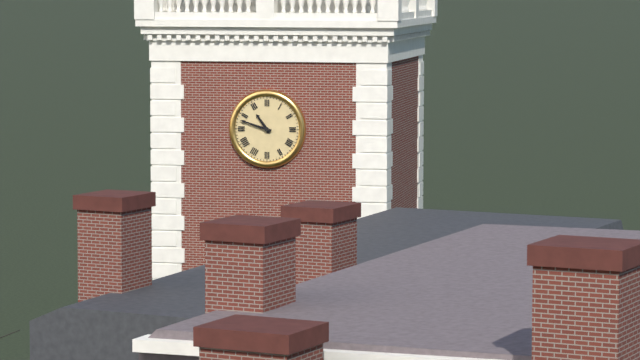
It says 10:48
